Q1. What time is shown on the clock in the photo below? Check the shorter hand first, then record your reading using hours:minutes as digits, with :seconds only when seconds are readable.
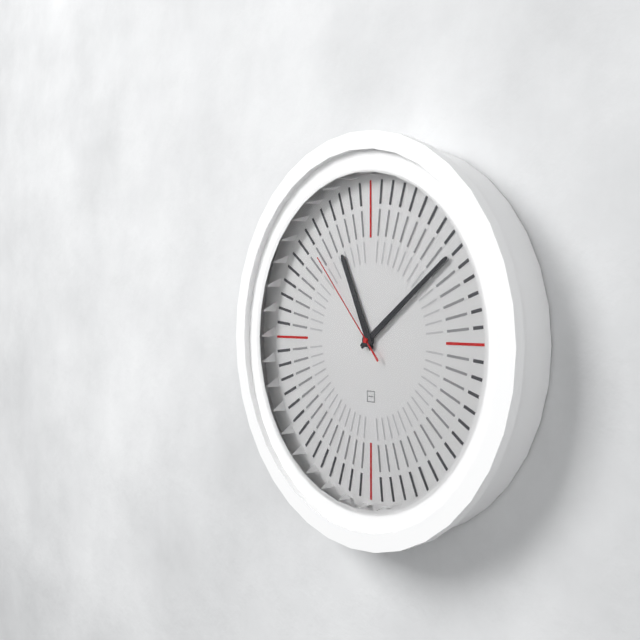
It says 11:09:53
